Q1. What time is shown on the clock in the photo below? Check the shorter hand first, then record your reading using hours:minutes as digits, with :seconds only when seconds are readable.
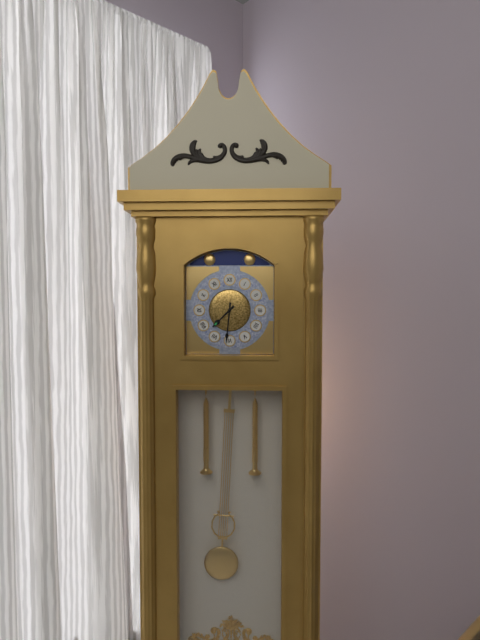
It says 7:31
